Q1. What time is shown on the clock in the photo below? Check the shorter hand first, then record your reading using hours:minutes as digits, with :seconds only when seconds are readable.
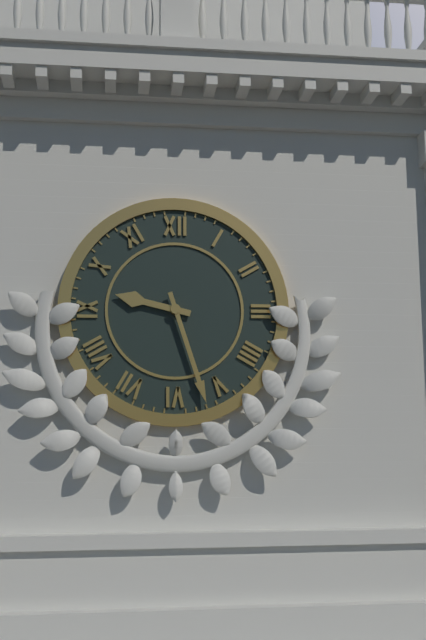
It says 9:27
